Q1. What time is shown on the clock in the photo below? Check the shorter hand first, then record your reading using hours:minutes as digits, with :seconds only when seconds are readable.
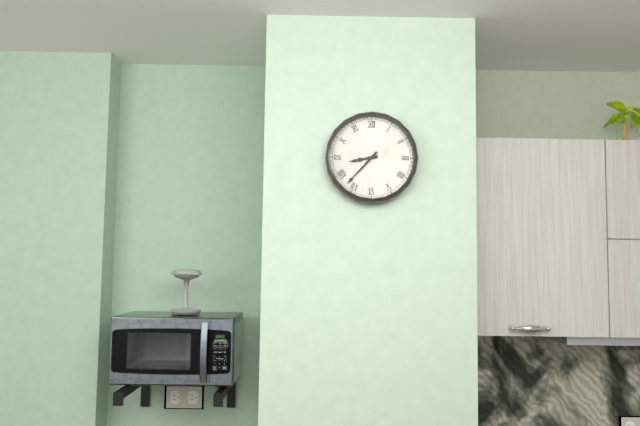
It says 8:37
